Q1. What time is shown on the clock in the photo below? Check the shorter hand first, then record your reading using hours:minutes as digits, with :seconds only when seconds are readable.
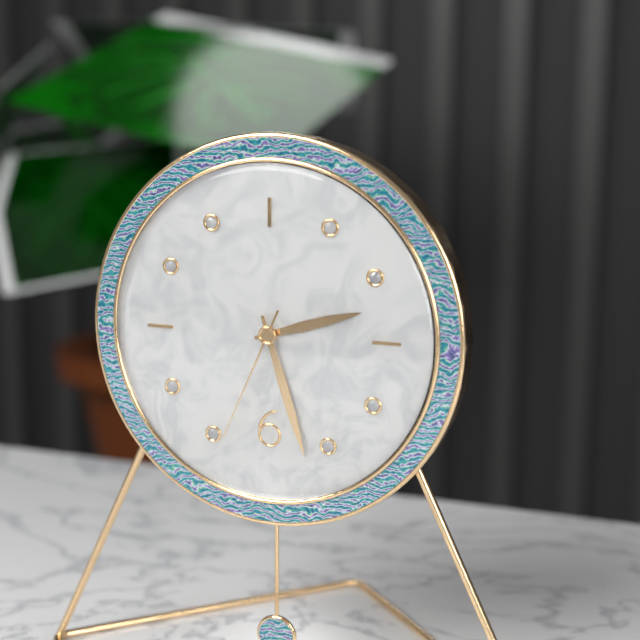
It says 2:27:34
